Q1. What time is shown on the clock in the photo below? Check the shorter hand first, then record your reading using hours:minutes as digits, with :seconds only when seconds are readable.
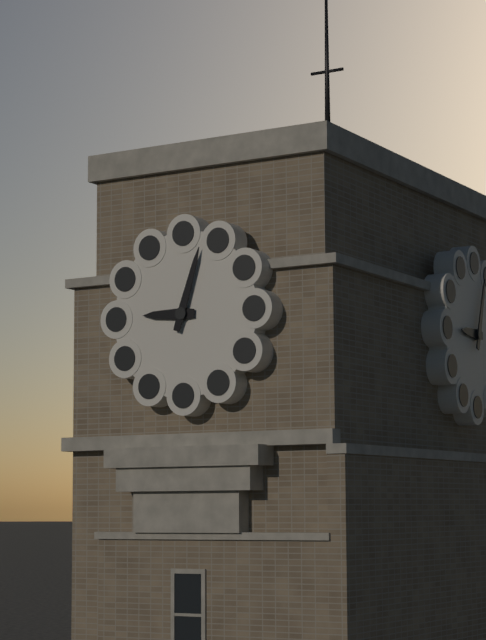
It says 9:03
